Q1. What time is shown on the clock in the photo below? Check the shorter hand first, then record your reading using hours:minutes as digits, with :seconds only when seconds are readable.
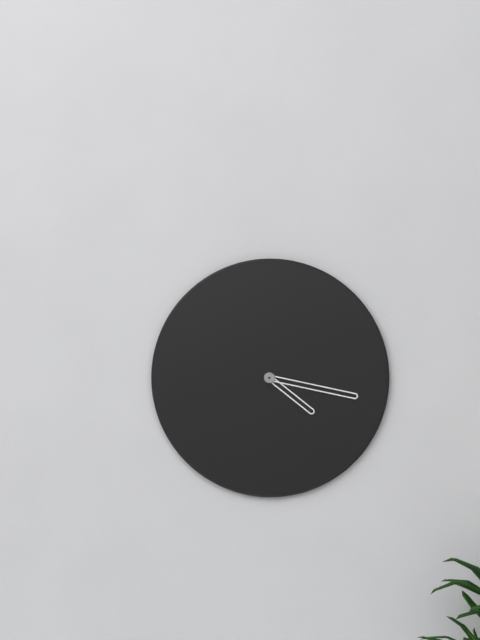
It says 4:17
